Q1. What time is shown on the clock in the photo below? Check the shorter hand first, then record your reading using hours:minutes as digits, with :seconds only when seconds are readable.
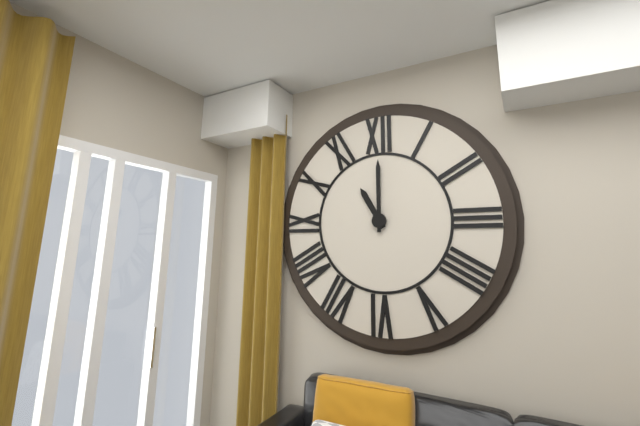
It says 11:00
